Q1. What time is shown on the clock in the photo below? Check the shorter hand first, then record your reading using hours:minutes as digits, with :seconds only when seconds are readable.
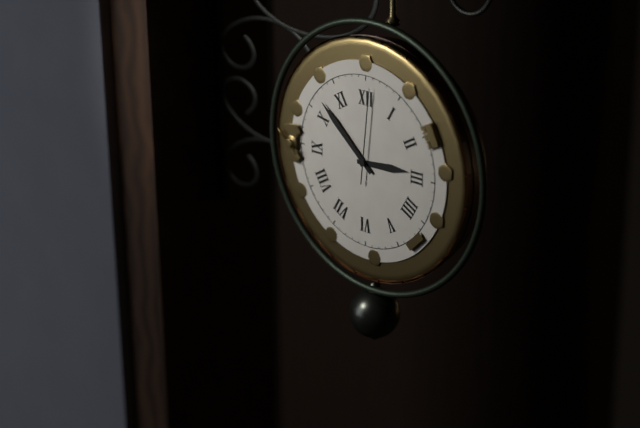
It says 2:52:01
